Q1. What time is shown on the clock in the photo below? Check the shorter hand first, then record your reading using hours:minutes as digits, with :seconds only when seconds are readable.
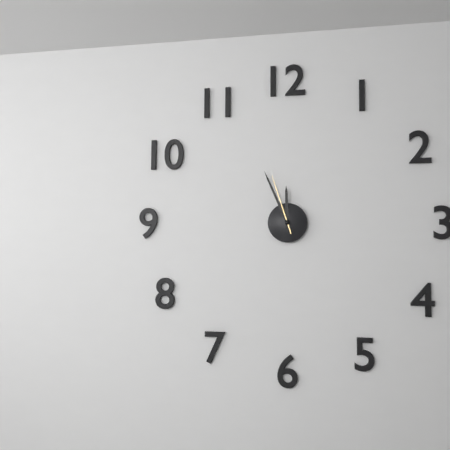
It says 11:56:57
